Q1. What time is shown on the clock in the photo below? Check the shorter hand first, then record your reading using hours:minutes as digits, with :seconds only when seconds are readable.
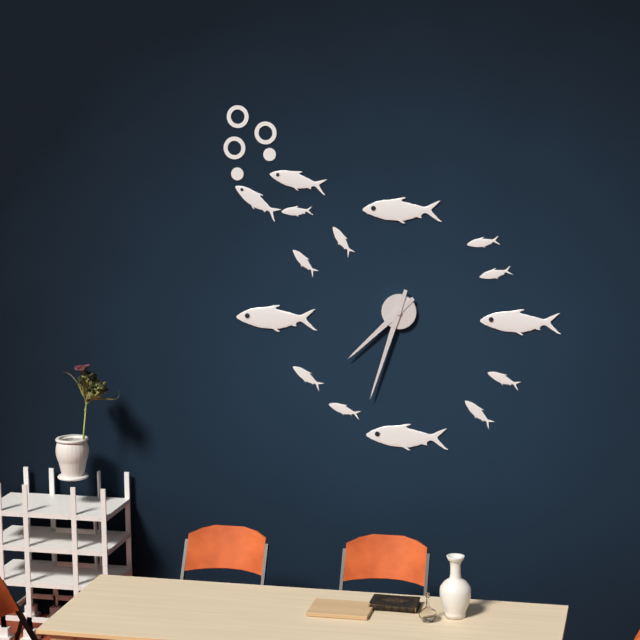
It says 7:33
